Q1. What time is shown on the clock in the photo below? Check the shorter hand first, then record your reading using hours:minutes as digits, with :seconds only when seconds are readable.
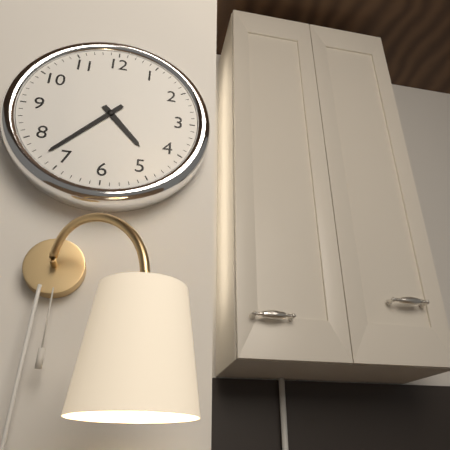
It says 4:37
